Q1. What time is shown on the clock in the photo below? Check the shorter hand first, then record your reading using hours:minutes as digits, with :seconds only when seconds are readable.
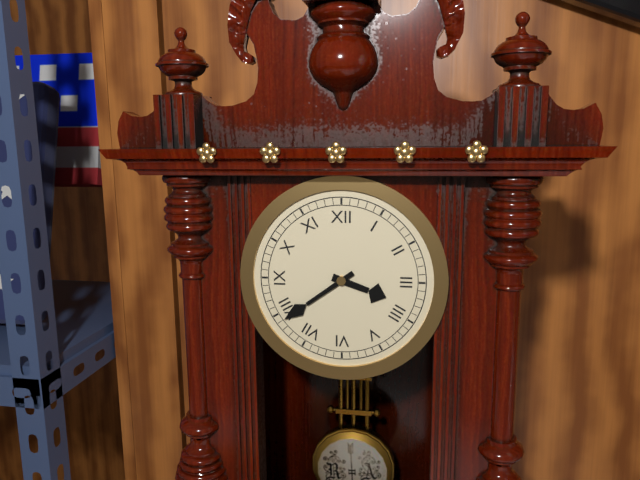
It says 3:39
